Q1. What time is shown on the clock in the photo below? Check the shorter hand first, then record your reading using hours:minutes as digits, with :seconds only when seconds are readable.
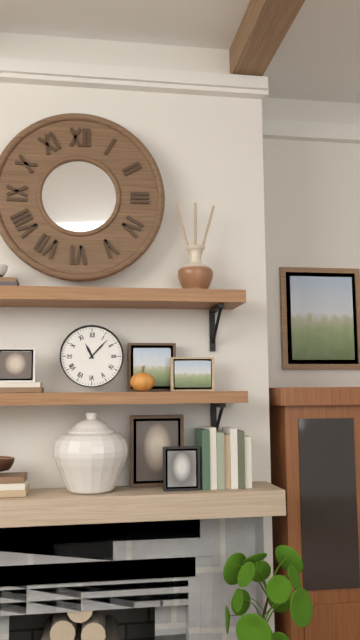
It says 11:07
